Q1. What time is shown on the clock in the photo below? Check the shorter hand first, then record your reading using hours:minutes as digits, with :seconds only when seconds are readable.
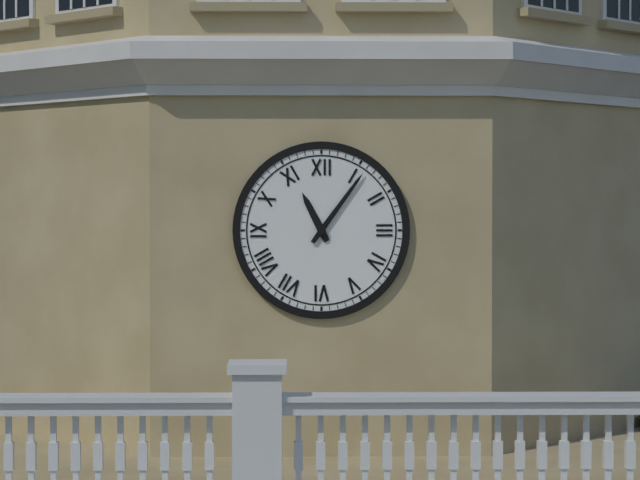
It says 11:06
